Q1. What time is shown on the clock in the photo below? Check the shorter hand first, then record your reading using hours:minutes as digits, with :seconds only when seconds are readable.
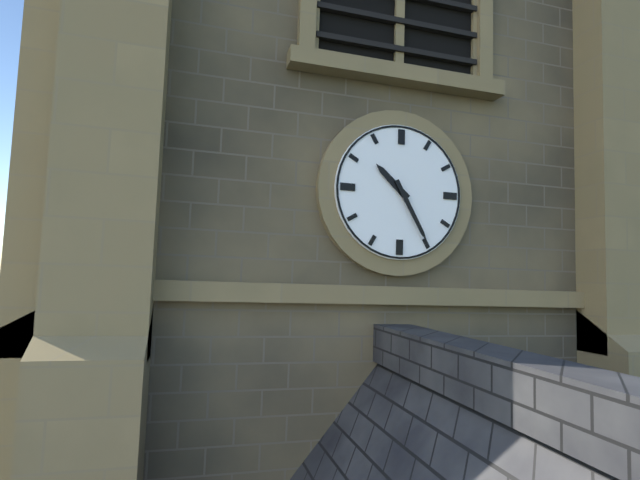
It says 10:25
